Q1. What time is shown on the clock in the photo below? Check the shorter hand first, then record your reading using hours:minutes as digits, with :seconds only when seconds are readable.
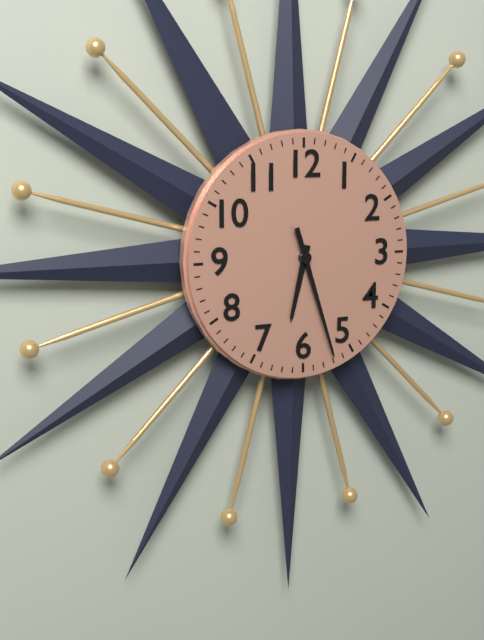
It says 6:27
